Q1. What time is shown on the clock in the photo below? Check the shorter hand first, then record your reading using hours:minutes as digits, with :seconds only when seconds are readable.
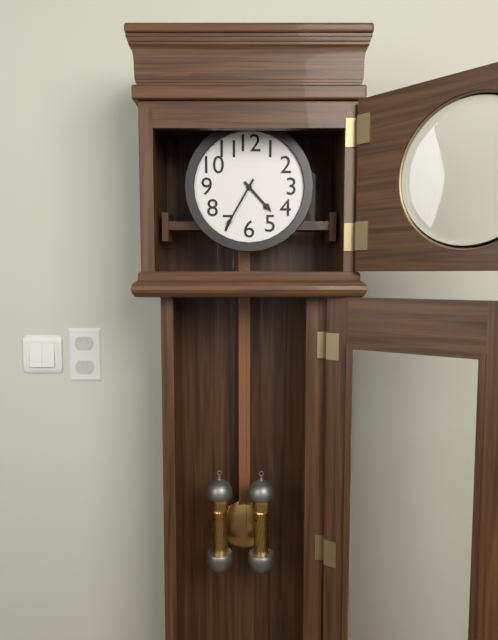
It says 4:35
